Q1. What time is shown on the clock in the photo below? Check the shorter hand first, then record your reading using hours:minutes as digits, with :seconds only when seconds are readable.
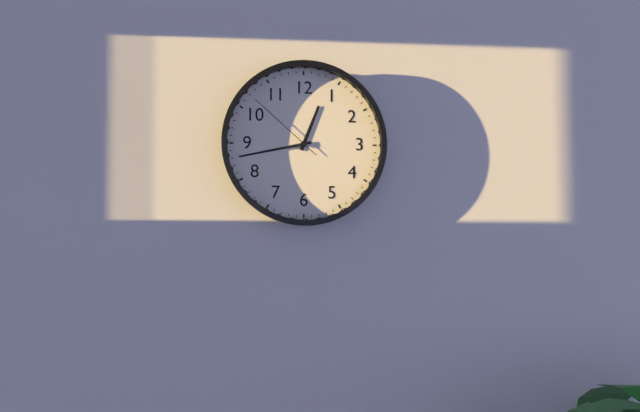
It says 12:43:52
